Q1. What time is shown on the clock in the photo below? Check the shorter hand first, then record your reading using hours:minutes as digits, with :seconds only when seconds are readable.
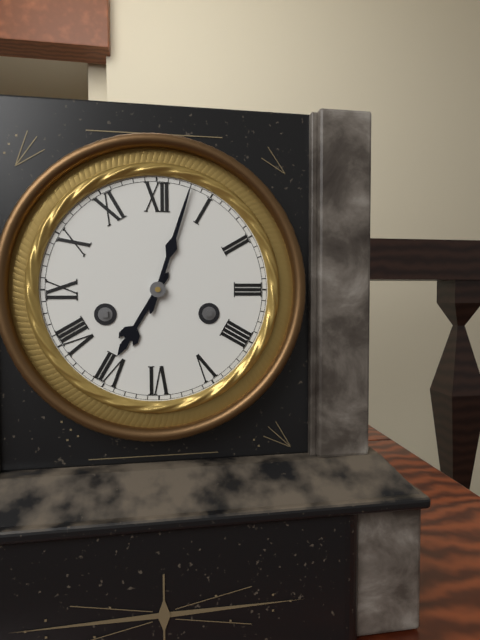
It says 7:03
